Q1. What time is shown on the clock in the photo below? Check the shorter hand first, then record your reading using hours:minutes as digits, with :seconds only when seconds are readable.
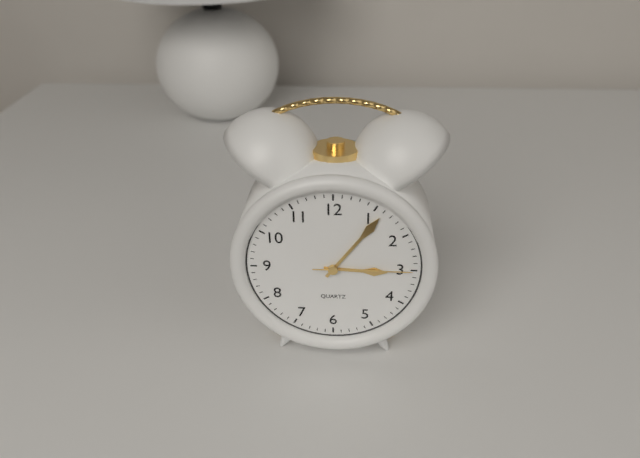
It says 3:06:15
